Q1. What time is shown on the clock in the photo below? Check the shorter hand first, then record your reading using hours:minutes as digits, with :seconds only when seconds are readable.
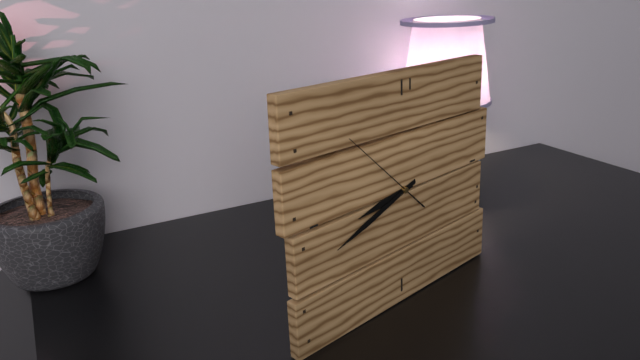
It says 8:42:52
